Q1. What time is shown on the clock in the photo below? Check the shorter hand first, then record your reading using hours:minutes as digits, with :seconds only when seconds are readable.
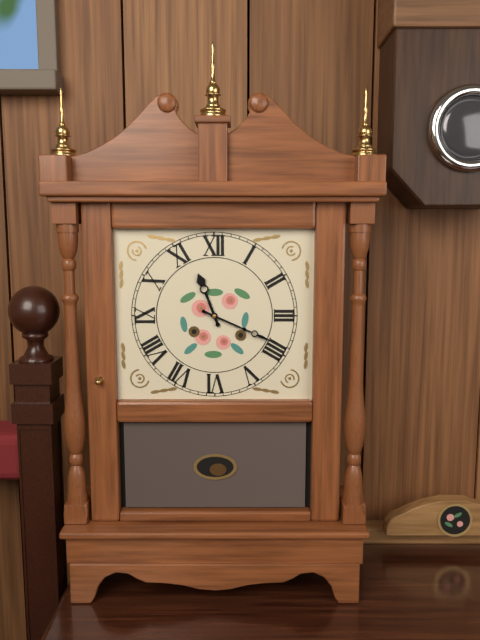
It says 11:19
